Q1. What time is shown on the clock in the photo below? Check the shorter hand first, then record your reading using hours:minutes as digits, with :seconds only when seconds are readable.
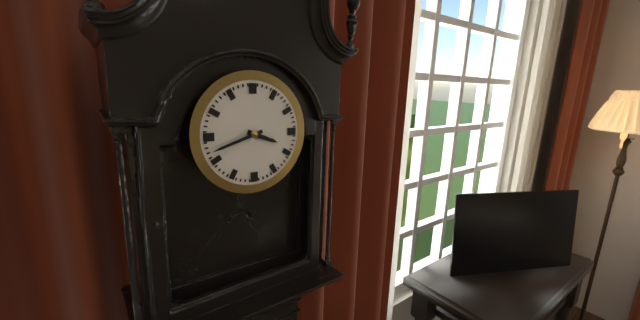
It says 3:42
